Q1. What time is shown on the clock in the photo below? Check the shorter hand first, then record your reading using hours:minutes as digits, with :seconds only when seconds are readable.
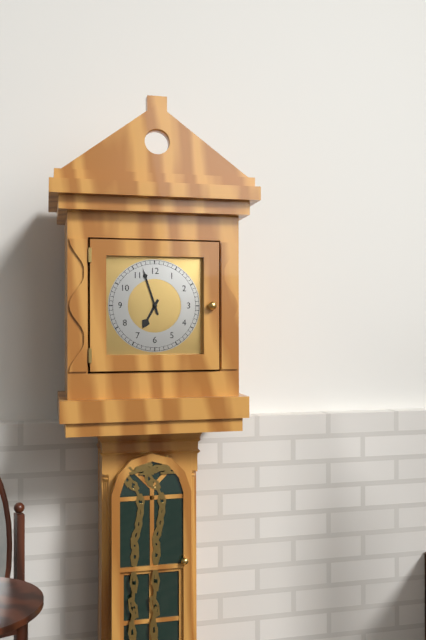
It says 6:57
